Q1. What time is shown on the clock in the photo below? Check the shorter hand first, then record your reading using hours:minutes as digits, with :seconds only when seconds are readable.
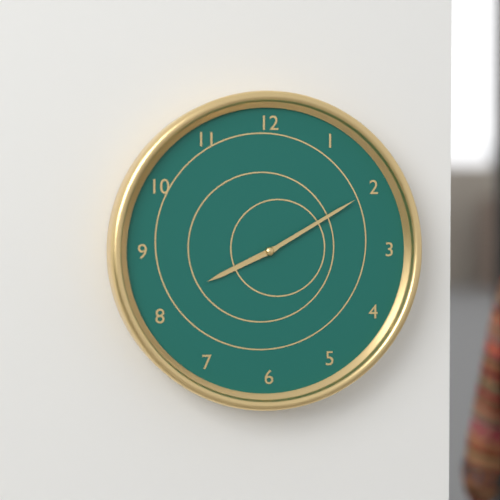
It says 8:10
